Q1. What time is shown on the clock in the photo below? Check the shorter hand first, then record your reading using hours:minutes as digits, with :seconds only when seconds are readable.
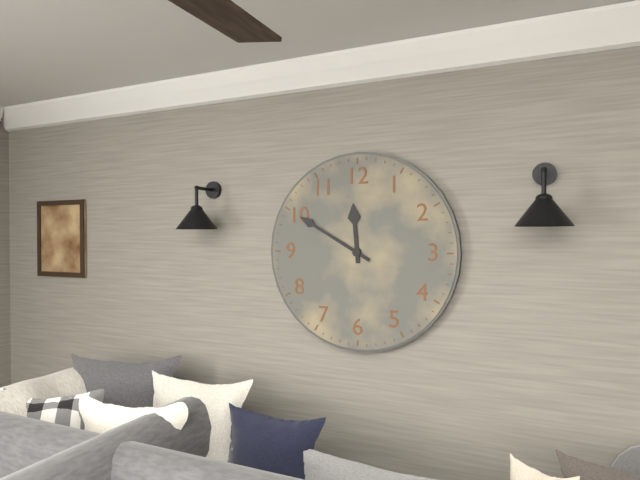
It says 11:50
